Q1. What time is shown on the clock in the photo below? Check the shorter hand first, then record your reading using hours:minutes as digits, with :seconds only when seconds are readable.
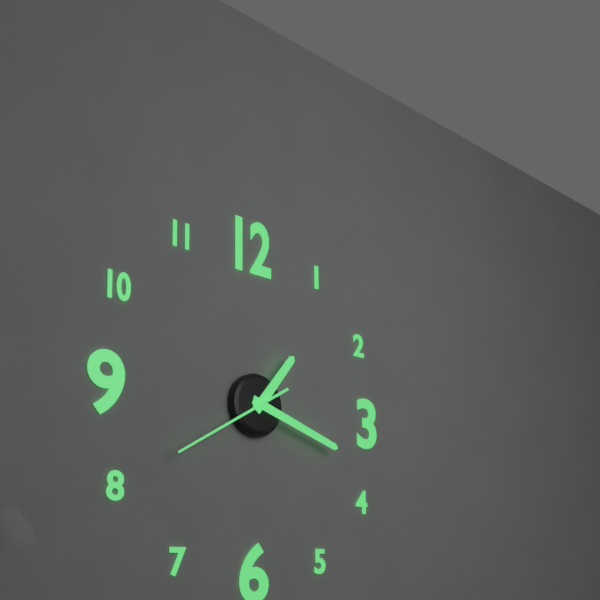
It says 1:18:40
